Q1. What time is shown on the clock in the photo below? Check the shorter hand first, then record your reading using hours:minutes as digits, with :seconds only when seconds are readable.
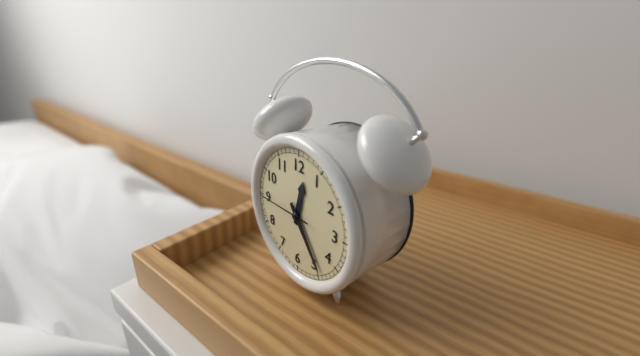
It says 12:24:45
